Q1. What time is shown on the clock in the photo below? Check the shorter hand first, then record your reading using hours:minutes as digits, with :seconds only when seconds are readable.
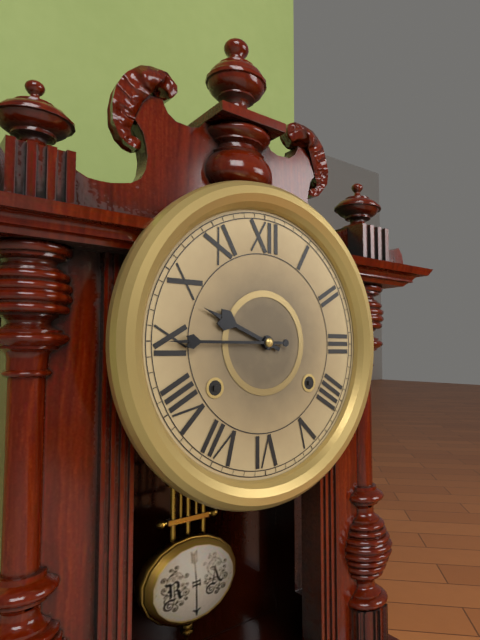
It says 9:45
